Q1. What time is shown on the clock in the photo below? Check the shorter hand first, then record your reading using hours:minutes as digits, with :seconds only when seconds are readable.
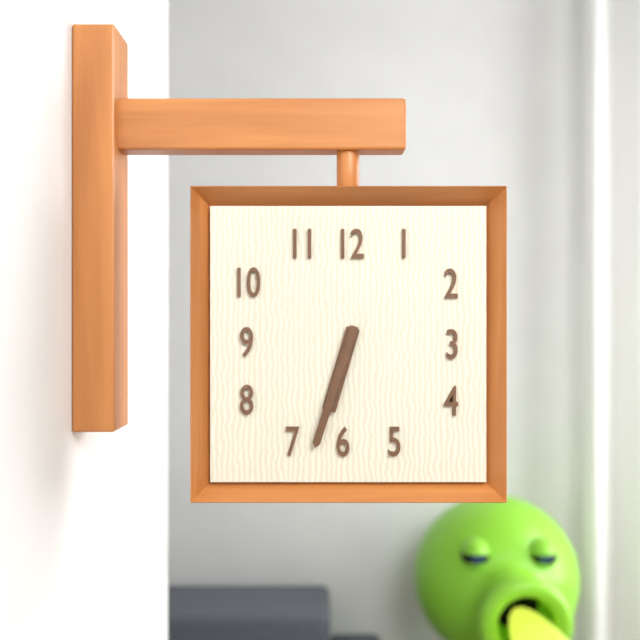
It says 6:33
